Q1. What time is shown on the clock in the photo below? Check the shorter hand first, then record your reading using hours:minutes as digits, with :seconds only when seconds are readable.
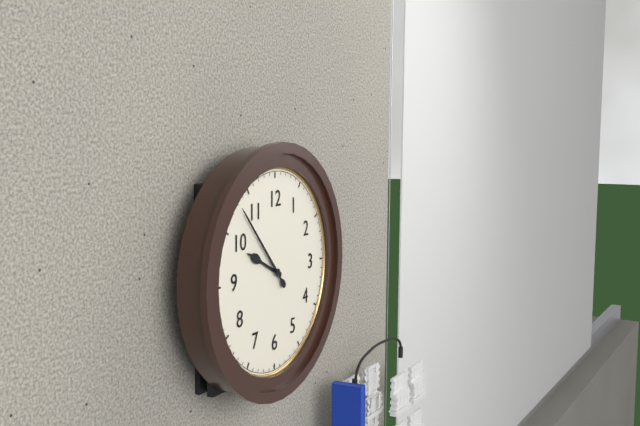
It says 9:53
